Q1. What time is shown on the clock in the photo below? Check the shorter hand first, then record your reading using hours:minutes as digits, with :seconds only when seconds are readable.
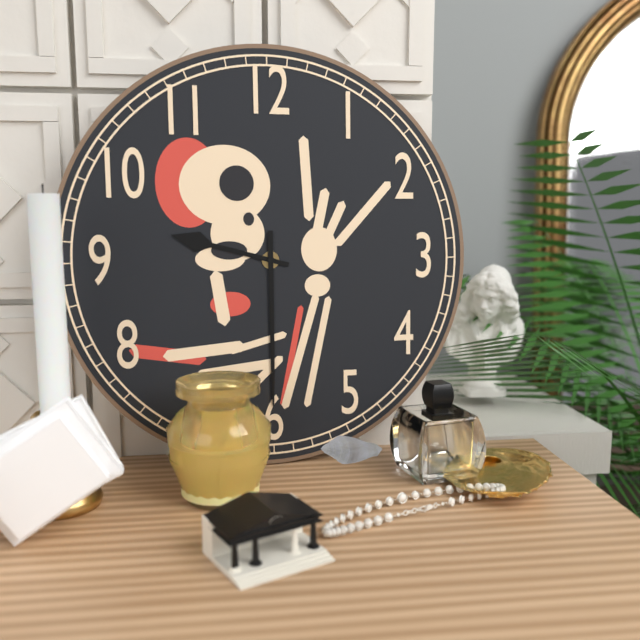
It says 9:30
